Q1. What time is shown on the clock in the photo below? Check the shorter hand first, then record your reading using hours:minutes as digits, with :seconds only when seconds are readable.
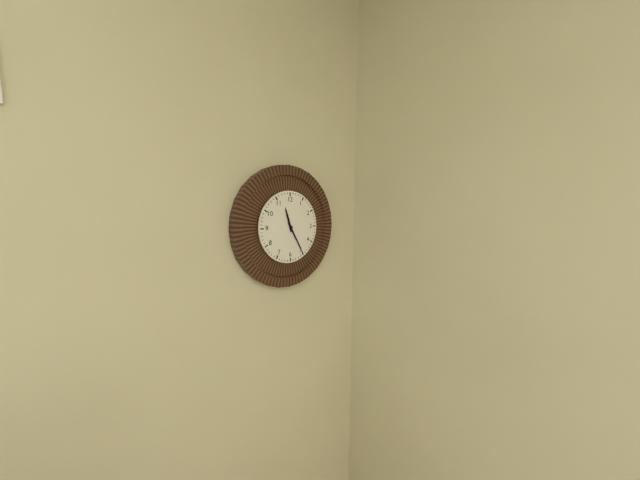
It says 11:25
